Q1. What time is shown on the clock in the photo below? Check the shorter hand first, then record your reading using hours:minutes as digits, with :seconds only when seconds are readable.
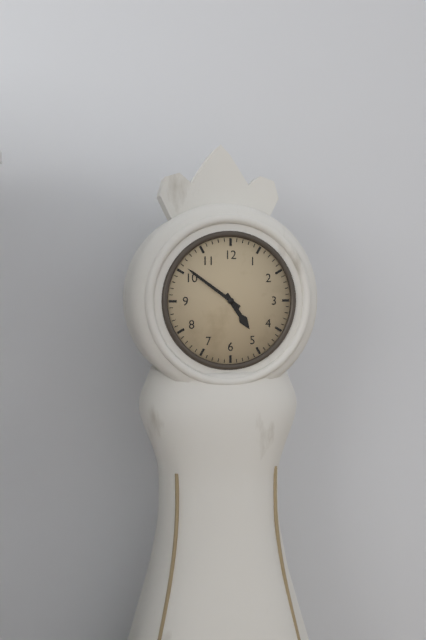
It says 4:51
